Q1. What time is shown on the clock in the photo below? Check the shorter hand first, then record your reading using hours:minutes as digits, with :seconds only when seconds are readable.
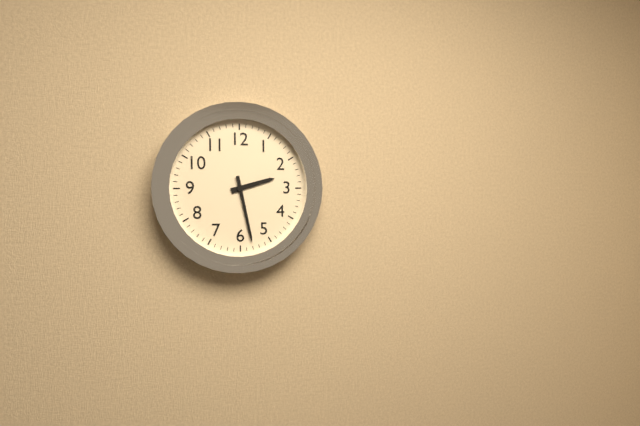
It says 2:28
